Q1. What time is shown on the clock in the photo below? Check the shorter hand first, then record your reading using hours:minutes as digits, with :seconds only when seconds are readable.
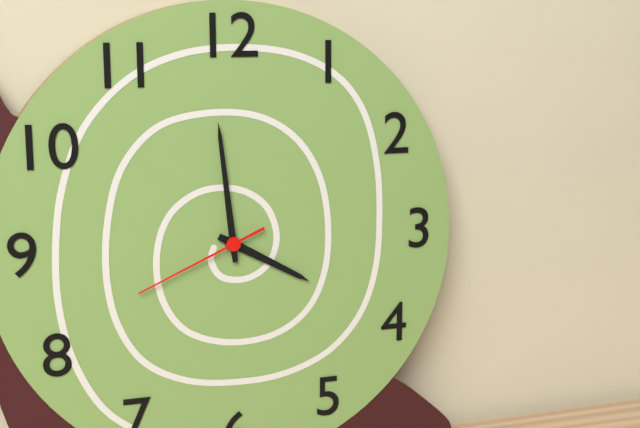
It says 3:59:41
